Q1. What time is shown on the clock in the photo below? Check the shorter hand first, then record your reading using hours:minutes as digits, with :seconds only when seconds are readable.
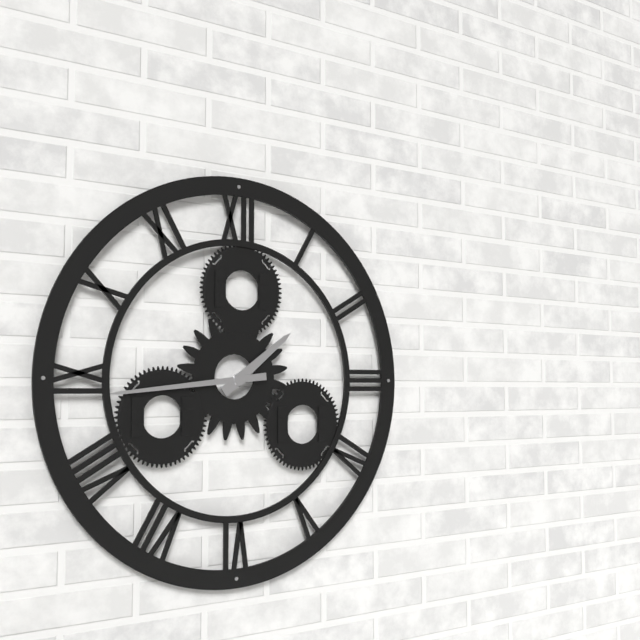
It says 1:44
